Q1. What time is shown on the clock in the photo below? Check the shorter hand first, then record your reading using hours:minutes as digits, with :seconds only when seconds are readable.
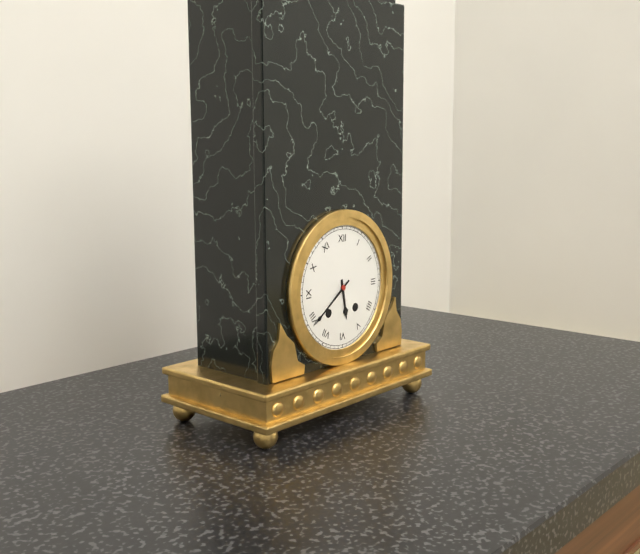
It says 5:39
